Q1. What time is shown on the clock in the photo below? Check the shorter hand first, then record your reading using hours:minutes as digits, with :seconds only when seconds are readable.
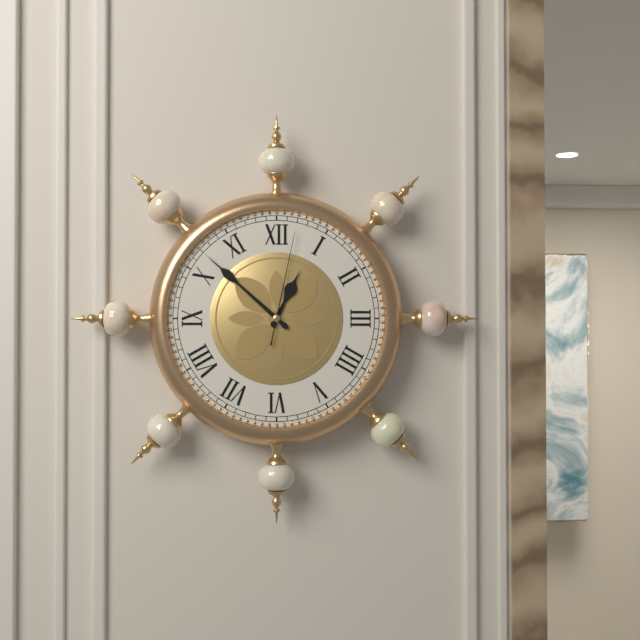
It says 12:52:02
